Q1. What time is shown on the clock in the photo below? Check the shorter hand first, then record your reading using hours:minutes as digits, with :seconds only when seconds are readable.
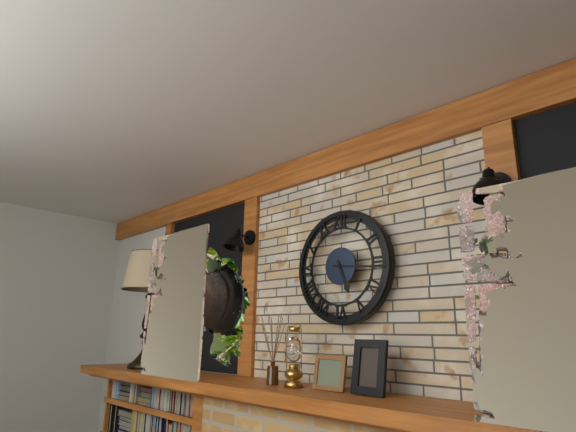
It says 5:16
